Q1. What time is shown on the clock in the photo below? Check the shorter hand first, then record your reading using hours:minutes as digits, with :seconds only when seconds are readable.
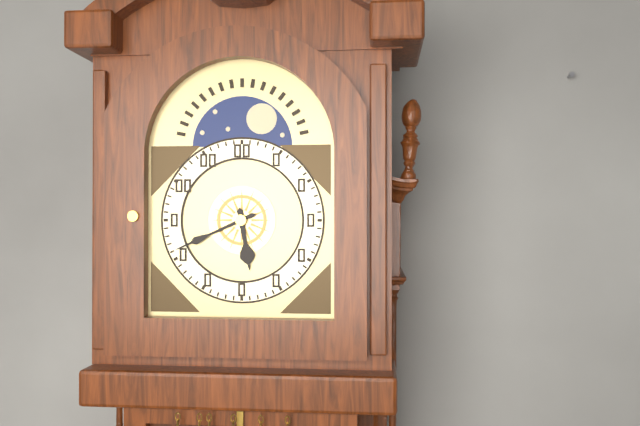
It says 5:41
